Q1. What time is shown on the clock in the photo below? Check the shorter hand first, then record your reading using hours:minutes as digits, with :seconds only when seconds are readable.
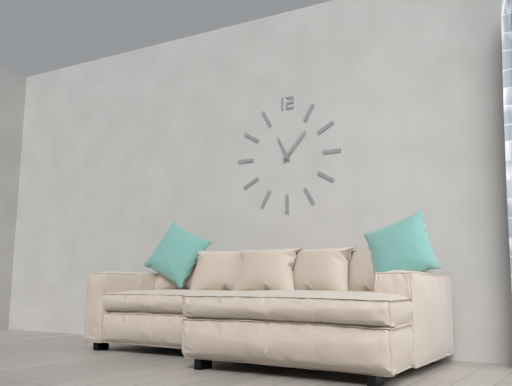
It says 11:07
